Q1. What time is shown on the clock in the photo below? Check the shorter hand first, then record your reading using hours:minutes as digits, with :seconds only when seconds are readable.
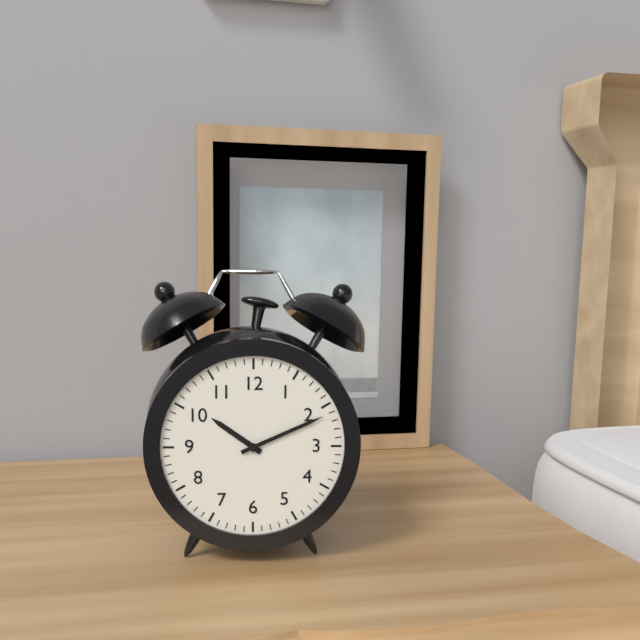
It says 10:11
